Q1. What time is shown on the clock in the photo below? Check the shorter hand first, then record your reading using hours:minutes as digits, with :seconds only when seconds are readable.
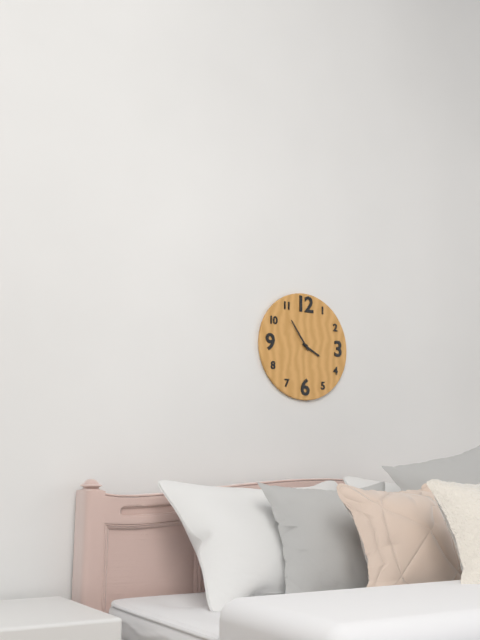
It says 3:54
